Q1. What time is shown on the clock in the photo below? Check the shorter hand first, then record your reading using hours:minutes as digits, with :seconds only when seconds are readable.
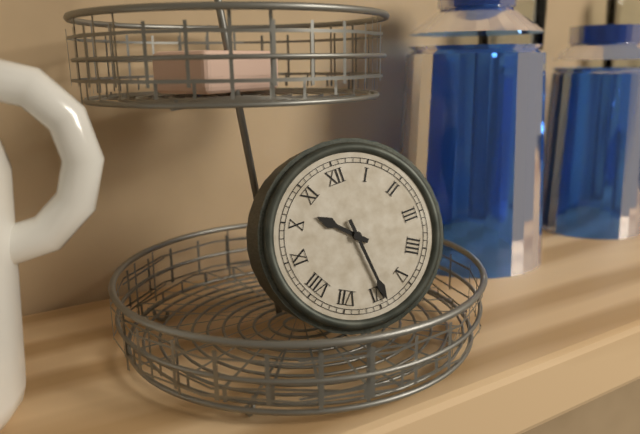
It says 10:29
